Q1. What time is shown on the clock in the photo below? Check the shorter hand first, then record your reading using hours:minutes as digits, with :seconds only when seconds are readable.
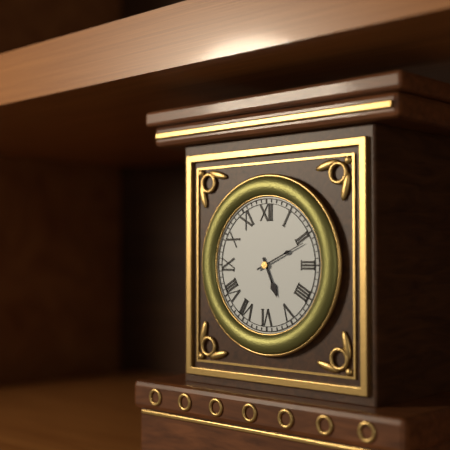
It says 5:11
